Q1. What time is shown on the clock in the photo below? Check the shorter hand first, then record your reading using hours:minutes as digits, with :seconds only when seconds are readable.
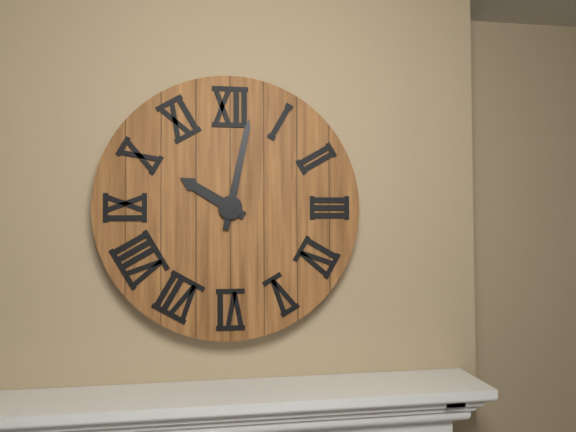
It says 10:02
